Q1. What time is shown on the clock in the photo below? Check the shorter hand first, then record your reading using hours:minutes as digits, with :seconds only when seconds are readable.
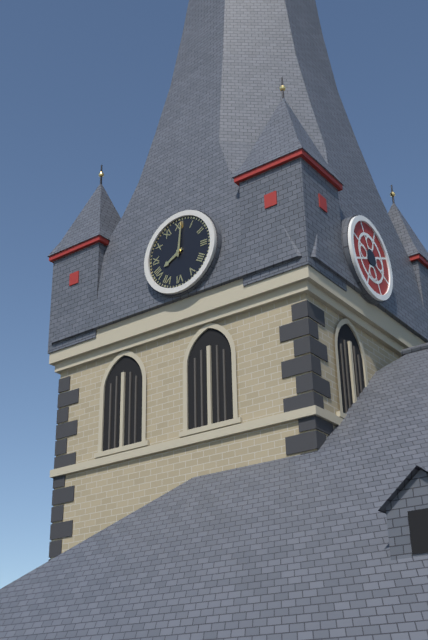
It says 8:01
